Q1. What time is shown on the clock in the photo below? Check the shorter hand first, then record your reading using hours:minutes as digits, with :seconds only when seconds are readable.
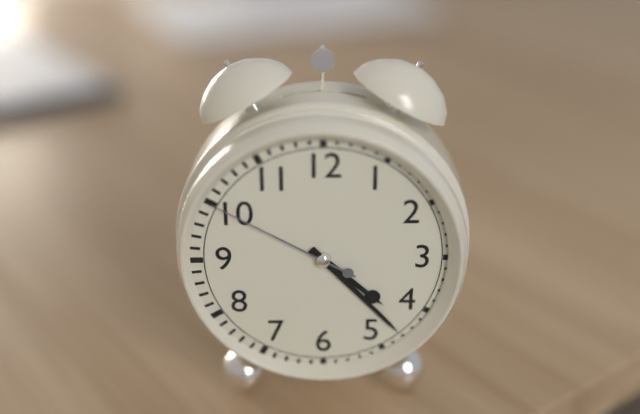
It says 4:23:50
